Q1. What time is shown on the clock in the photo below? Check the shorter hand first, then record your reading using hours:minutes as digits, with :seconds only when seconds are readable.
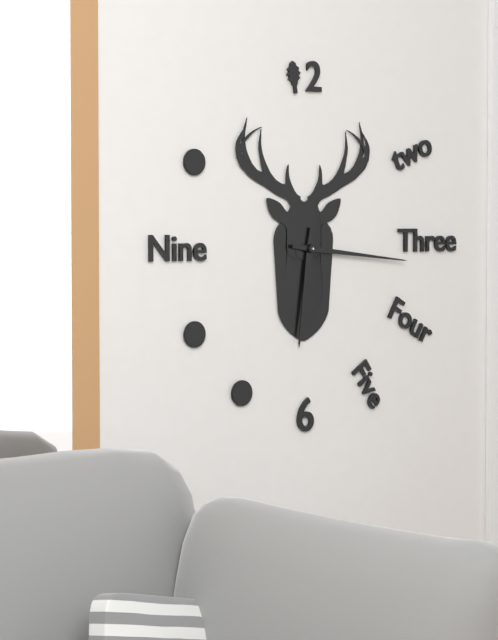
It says 6:16
